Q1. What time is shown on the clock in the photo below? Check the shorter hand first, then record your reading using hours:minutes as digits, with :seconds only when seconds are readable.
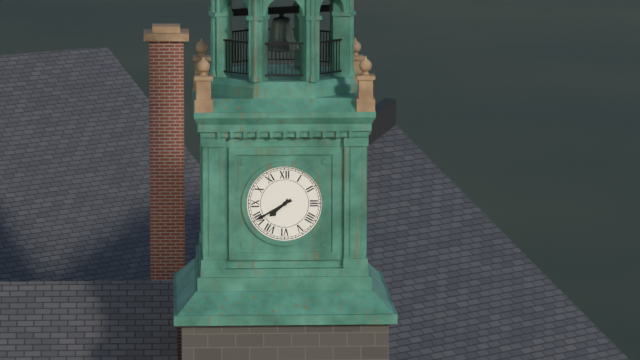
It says 7:40
